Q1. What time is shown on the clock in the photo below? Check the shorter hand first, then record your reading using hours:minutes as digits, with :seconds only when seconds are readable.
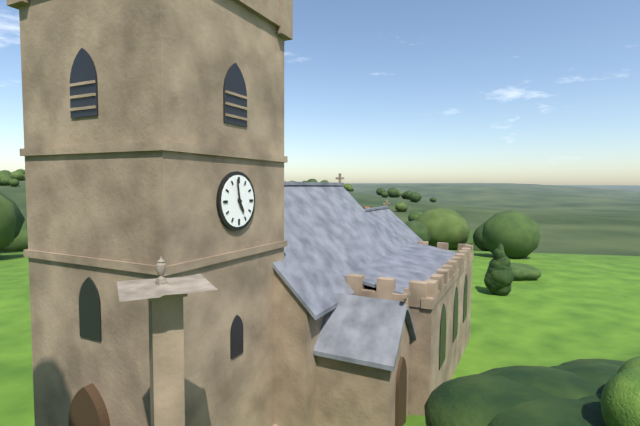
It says 4:58
